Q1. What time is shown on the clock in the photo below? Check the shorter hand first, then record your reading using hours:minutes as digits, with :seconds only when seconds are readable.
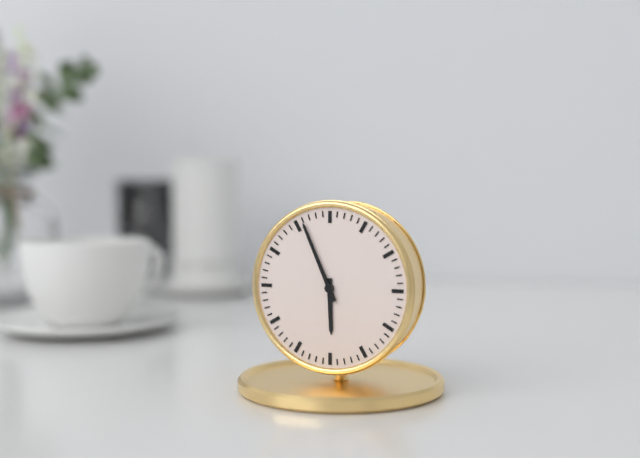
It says 5:56
